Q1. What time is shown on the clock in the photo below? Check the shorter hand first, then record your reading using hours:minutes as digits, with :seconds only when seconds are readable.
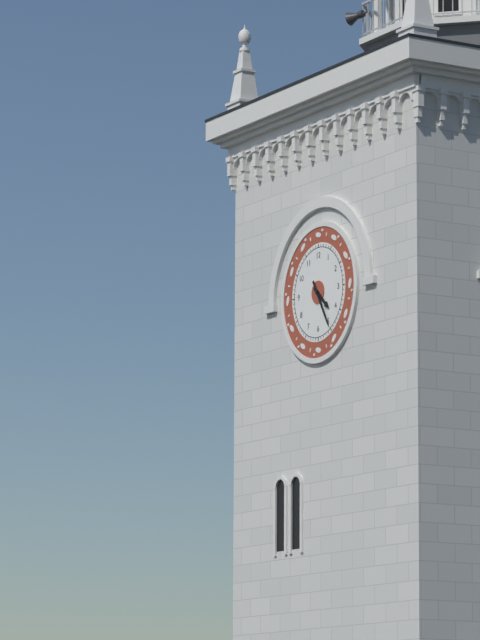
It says 4:25
